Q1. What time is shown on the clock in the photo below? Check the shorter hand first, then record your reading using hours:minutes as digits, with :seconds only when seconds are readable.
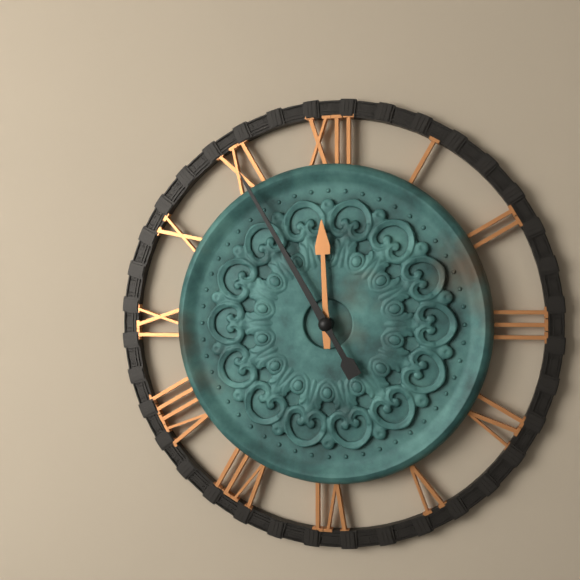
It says 11:55
